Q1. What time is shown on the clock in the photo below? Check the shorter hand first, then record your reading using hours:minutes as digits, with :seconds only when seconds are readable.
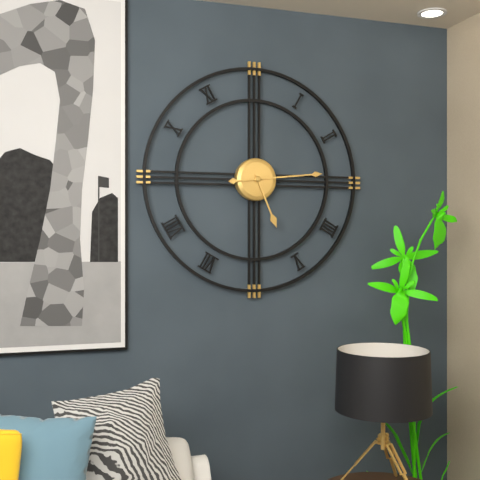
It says 5:14
